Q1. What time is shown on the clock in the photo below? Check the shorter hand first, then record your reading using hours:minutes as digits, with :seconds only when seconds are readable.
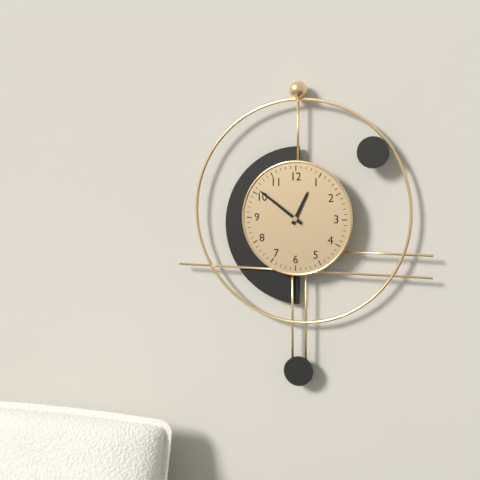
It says 12:51
